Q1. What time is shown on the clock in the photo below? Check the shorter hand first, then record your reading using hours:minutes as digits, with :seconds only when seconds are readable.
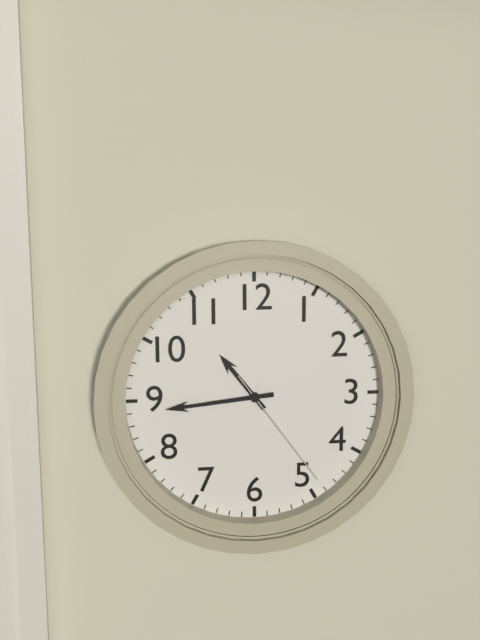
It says 10:44:24
